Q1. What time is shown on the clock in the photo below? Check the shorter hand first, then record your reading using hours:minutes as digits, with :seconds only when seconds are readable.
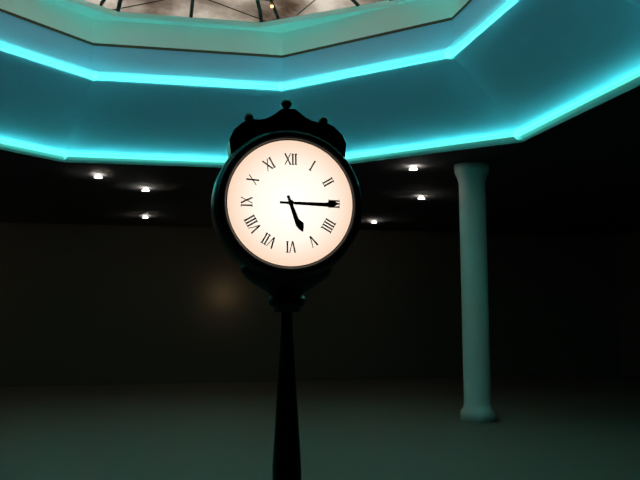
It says 5:15
